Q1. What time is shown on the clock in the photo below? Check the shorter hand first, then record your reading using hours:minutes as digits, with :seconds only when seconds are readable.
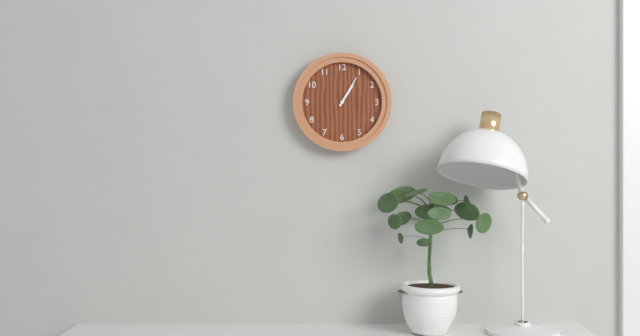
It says 1:05
